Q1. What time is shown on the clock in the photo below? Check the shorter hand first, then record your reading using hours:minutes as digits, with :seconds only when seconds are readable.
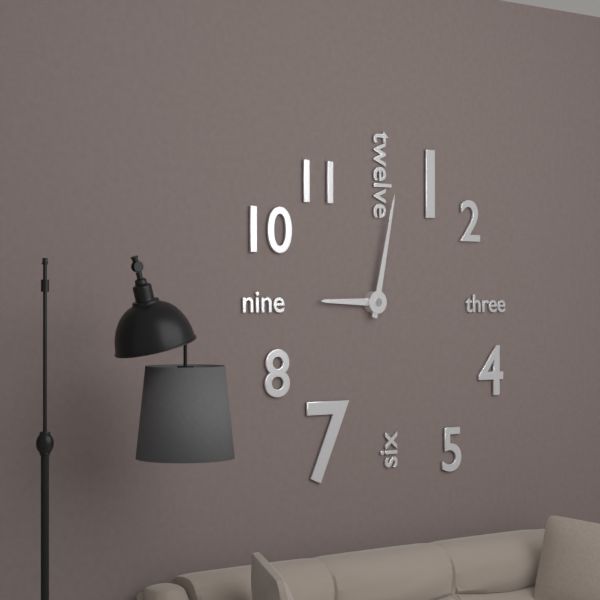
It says 9:02
